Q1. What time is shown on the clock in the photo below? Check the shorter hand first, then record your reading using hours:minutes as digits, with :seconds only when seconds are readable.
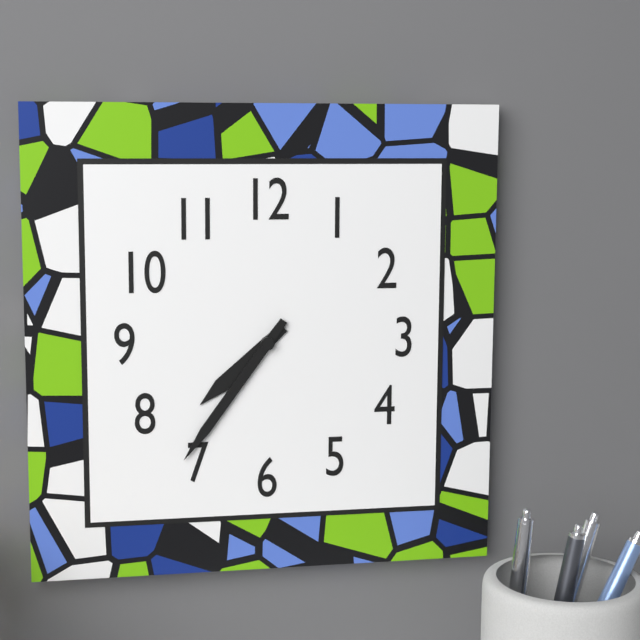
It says 7:36
